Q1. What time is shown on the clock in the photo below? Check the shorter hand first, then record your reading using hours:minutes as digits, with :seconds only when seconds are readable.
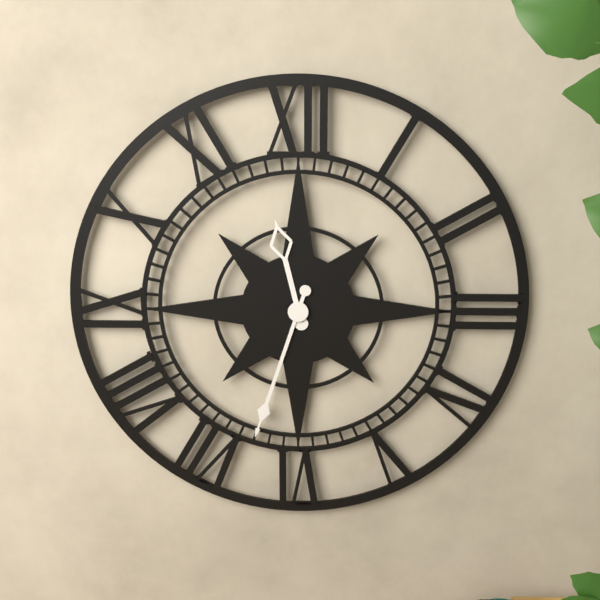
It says 11:33
